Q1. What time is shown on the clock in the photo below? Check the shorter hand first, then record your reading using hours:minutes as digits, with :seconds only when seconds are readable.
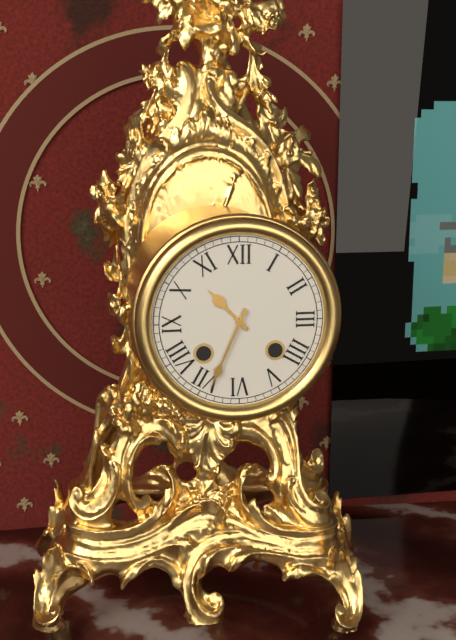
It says 10:34
